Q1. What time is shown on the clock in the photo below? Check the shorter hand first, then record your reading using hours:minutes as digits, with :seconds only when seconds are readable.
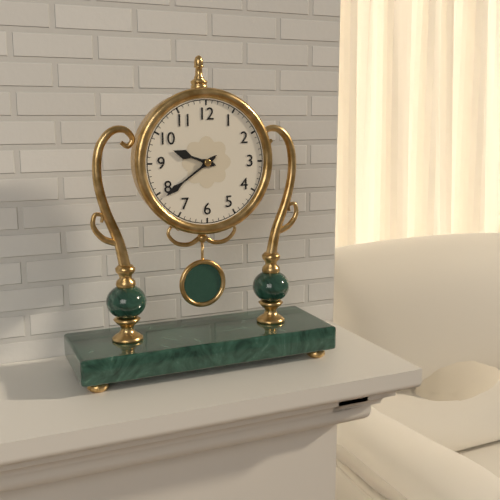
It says 9:39
